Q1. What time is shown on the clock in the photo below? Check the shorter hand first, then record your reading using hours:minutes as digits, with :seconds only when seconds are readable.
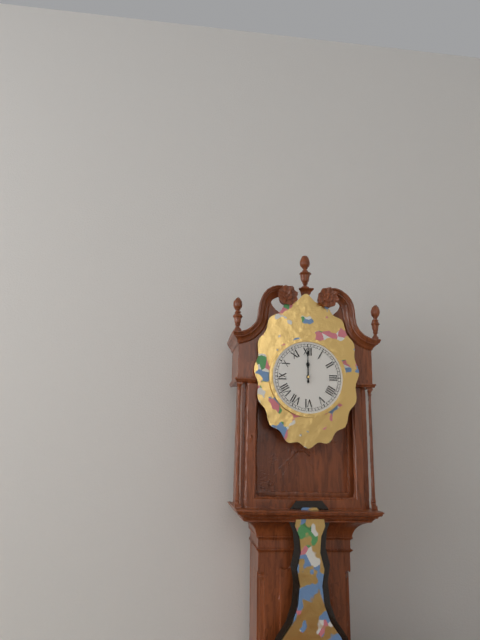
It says 12:00
